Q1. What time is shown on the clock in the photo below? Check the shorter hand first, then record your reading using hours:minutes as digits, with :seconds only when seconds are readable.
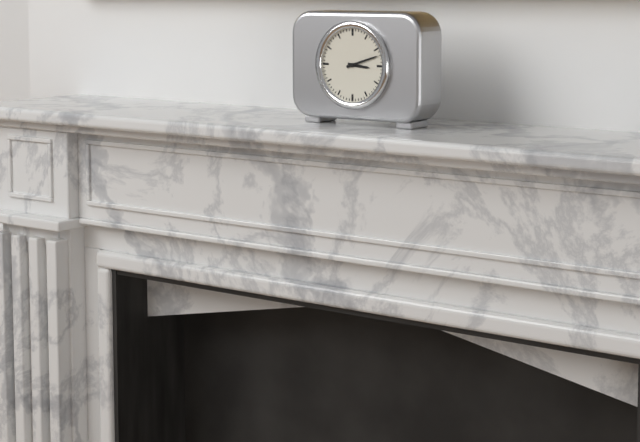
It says 3:12
